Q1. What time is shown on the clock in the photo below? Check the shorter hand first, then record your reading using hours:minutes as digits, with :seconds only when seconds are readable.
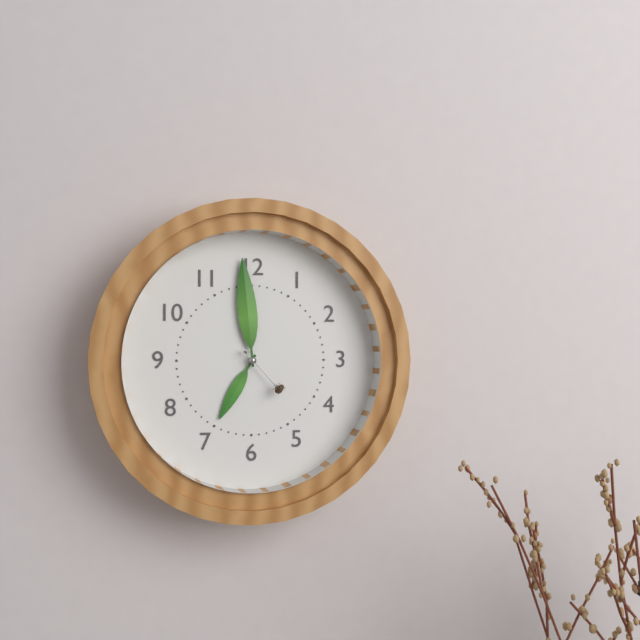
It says 6:59:23
